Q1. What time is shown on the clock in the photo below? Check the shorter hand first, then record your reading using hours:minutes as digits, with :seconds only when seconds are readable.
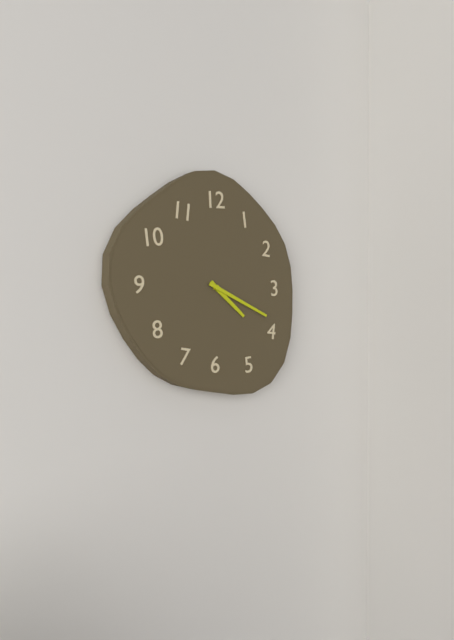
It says 4:19
